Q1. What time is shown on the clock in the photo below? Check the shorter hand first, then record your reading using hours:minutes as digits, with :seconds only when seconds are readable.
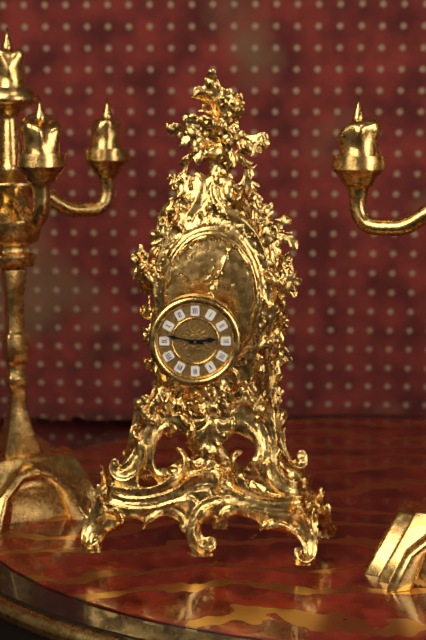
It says 2:47
